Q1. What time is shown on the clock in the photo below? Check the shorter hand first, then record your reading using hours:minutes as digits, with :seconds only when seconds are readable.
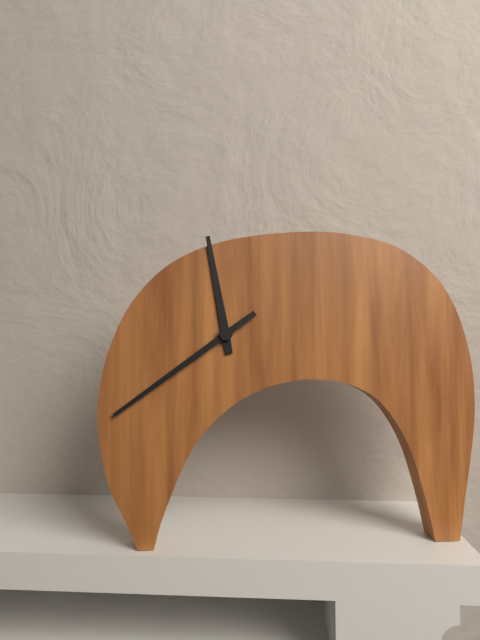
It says 11:39
